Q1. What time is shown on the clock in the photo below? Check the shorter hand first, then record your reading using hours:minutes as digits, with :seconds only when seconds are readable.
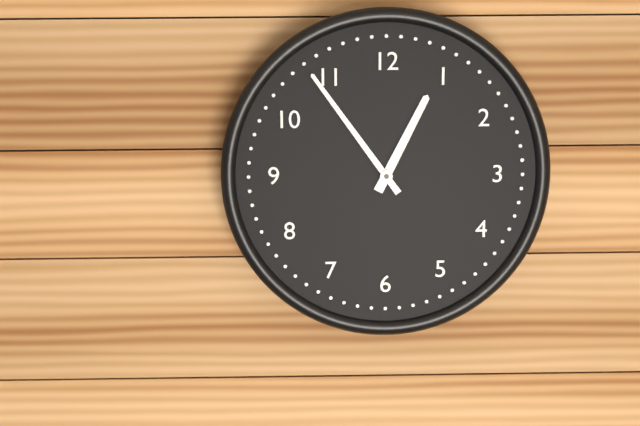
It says 12:54
